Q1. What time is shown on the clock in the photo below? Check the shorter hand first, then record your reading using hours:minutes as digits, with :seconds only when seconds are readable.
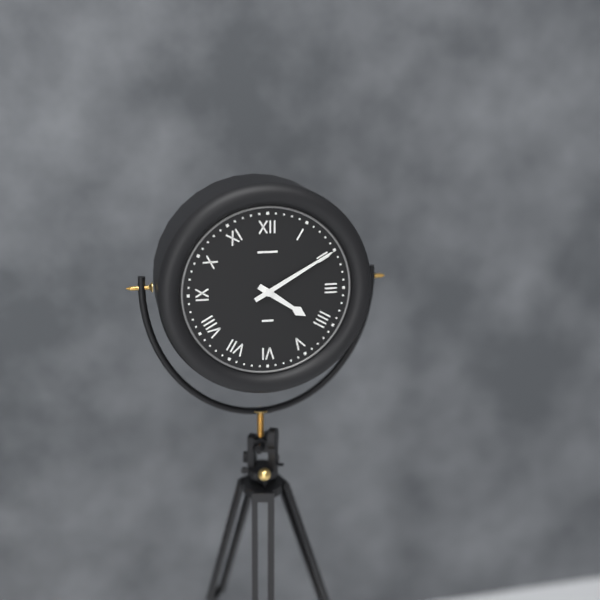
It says 4:10
